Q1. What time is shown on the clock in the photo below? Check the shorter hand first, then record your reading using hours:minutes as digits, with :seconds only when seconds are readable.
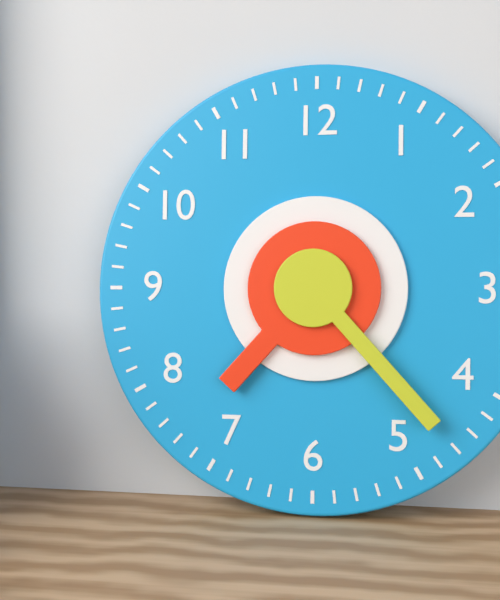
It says 7:23
